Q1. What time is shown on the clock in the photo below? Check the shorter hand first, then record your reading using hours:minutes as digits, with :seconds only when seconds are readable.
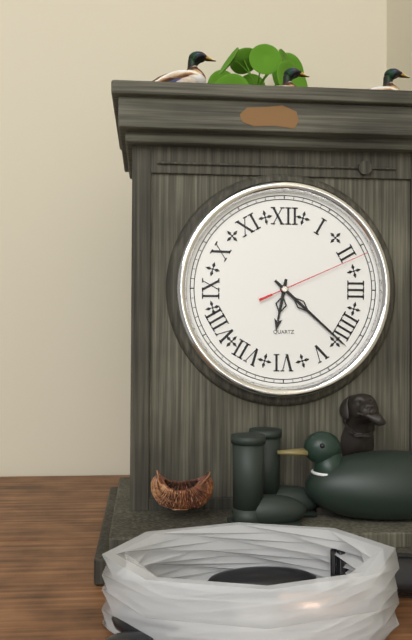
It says 6:22:11
